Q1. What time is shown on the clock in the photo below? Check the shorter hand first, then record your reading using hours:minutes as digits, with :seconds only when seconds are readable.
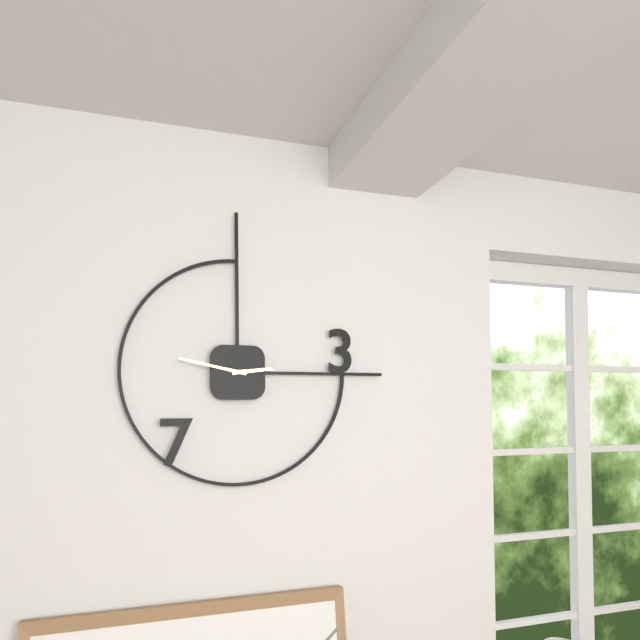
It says 2:47
